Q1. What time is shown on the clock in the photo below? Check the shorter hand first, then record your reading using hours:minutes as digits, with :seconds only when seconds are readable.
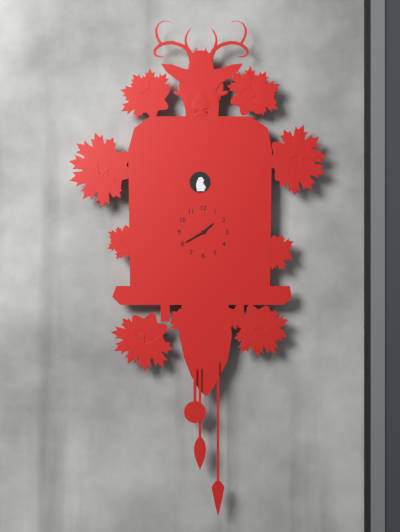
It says 1:40
